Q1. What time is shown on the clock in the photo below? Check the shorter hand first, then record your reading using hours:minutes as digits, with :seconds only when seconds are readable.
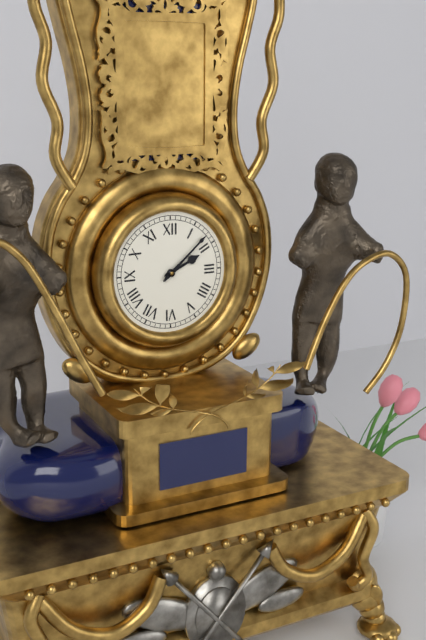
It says 2:08
